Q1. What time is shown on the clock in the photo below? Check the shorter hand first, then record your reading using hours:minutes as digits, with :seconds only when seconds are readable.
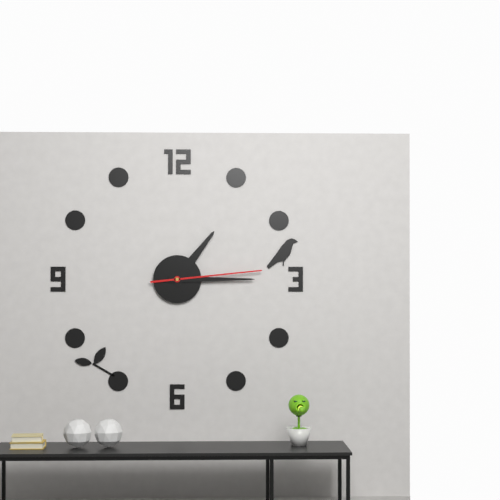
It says 1:15:14
